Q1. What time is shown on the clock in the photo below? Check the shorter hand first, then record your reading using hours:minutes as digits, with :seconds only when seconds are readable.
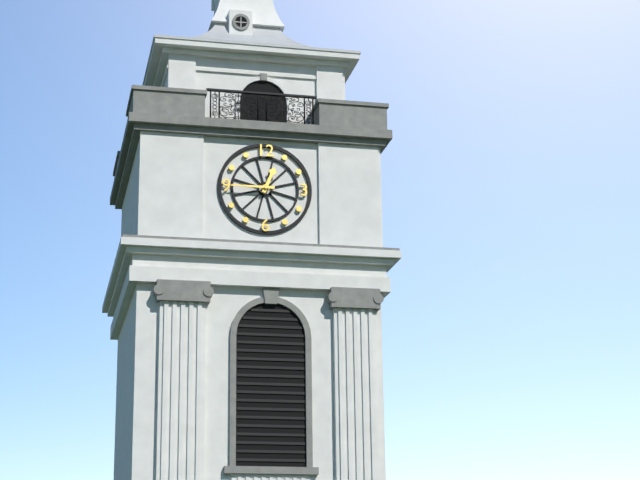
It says 12:45
